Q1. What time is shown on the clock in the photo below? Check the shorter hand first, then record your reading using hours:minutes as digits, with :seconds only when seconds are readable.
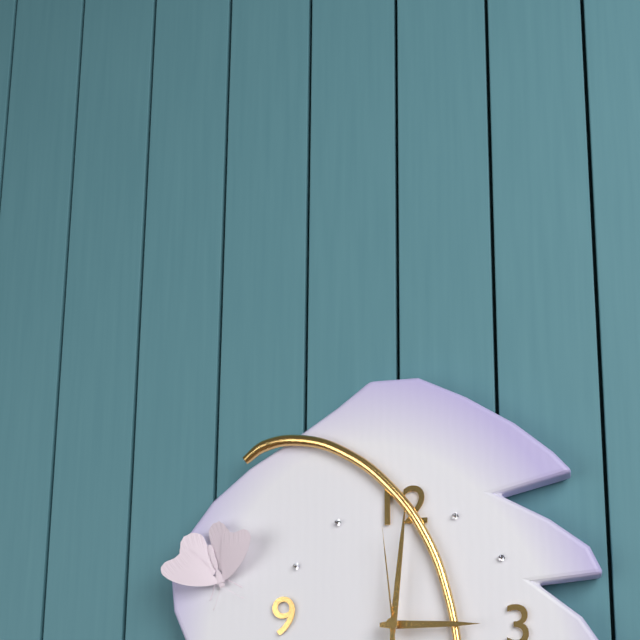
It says 3:01:59
